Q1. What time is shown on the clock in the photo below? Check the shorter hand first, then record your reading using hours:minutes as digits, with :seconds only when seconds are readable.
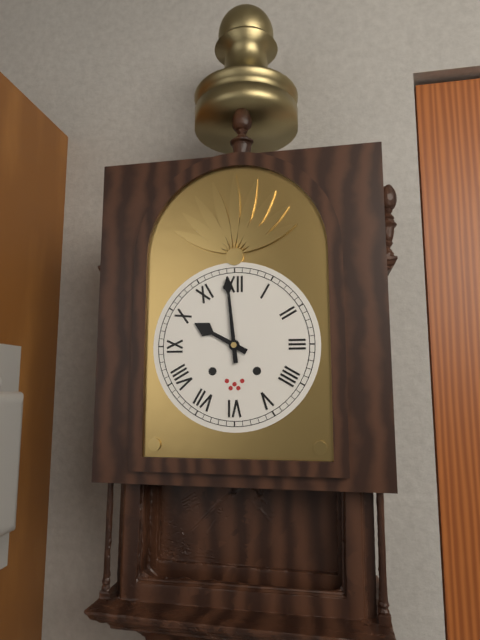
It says 9:59
